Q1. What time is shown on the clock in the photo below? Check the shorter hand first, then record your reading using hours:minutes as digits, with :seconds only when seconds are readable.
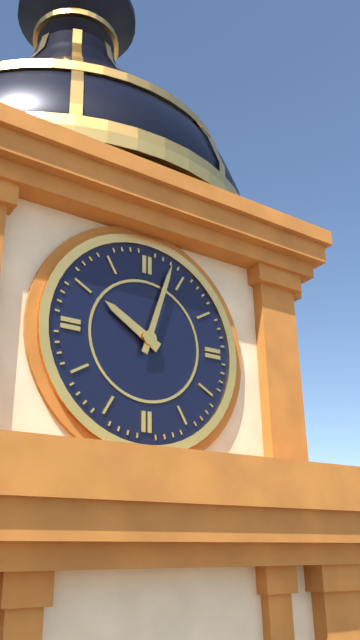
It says 10:03
